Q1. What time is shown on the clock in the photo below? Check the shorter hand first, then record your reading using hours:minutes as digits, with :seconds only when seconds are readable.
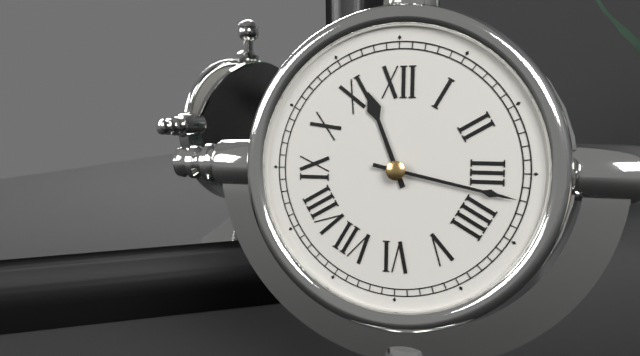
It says 11:17
